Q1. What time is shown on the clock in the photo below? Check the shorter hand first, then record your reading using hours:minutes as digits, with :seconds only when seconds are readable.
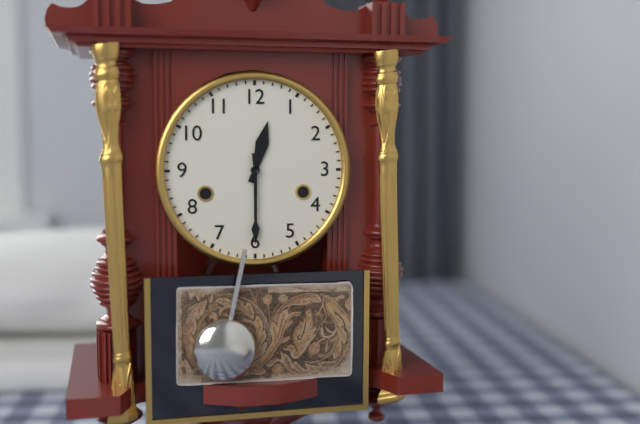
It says 12:30
